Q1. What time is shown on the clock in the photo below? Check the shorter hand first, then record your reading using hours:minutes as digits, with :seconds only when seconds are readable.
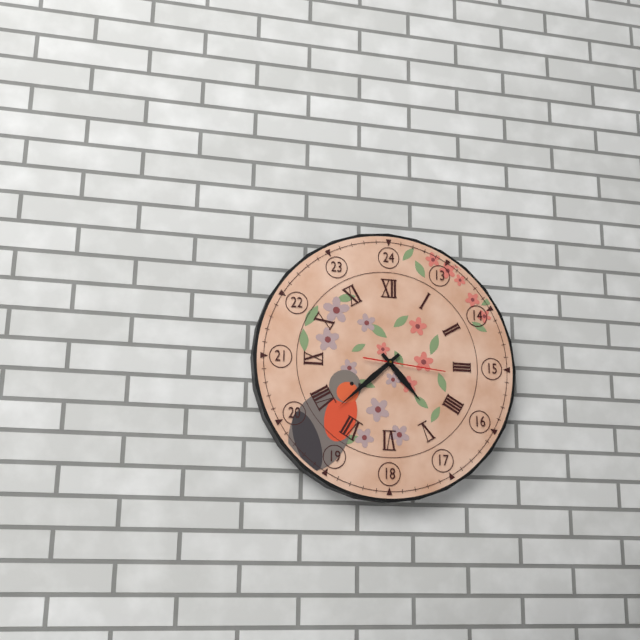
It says 4:38:16
